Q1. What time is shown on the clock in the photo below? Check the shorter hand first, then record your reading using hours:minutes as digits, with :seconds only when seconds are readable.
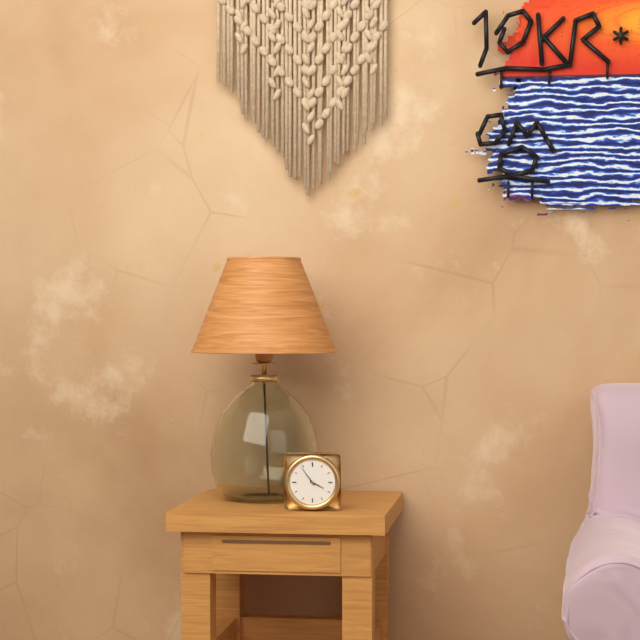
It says 3:54
